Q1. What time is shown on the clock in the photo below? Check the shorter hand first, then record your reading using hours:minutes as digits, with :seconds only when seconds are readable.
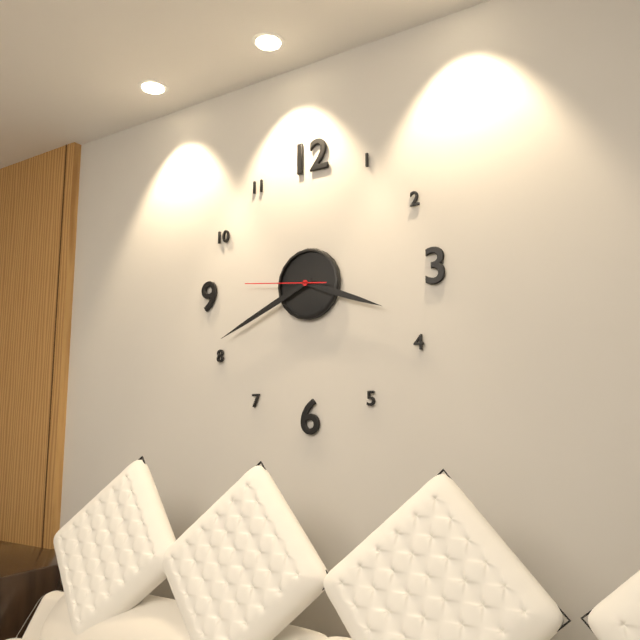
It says 3:41:46
